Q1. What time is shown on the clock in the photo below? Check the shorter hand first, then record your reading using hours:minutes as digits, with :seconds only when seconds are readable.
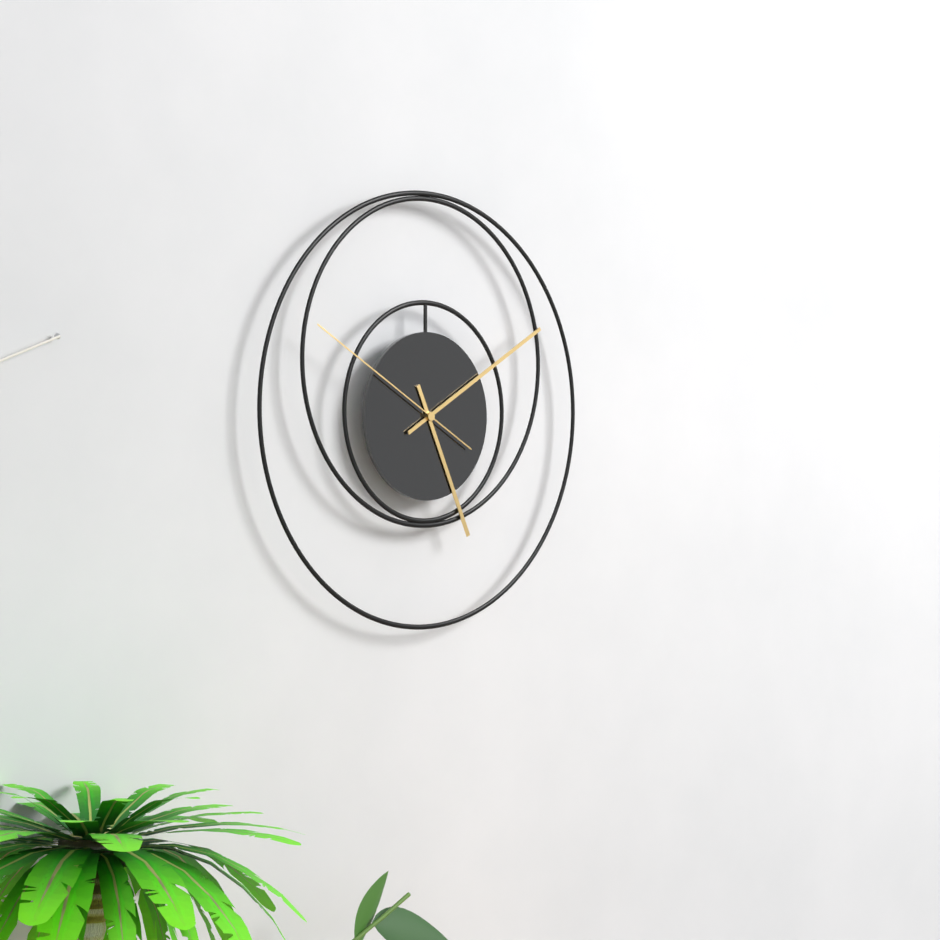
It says 5:10:50
